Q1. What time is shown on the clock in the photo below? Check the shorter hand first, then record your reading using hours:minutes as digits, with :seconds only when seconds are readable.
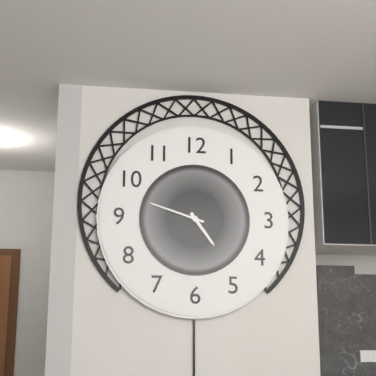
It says 4:48
